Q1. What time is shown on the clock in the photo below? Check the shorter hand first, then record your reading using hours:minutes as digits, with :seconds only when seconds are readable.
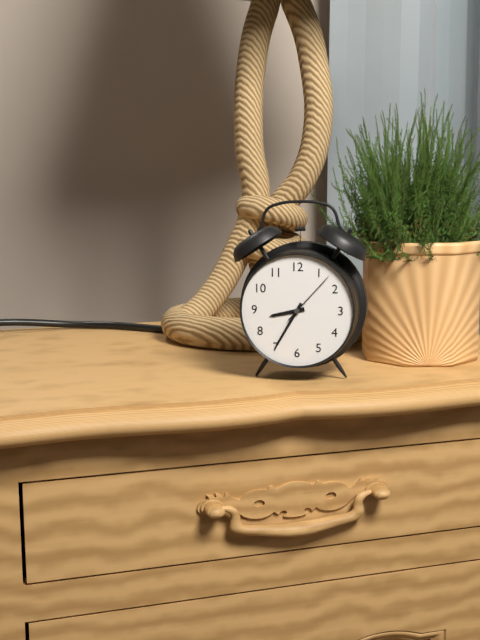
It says 8:35:07
